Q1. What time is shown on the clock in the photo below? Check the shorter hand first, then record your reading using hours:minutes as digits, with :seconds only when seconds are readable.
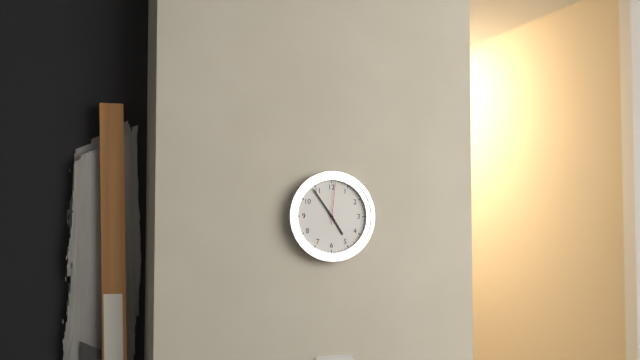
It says 4:54
